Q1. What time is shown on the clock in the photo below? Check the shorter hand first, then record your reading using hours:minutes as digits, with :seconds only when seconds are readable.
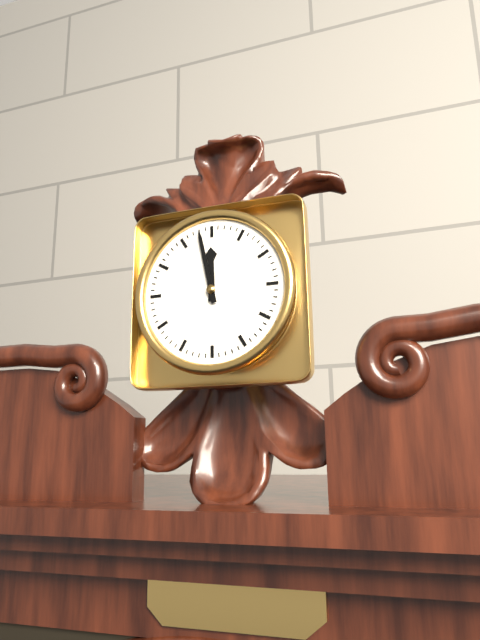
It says 11:58
